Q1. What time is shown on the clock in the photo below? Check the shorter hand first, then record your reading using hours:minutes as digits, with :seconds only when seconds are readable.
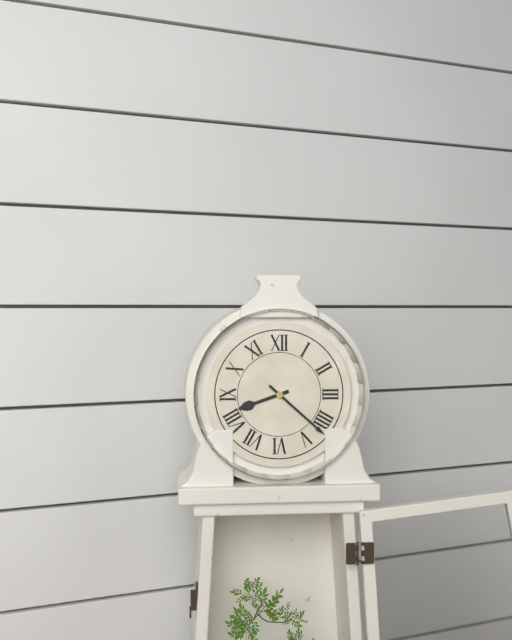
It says 8:22
